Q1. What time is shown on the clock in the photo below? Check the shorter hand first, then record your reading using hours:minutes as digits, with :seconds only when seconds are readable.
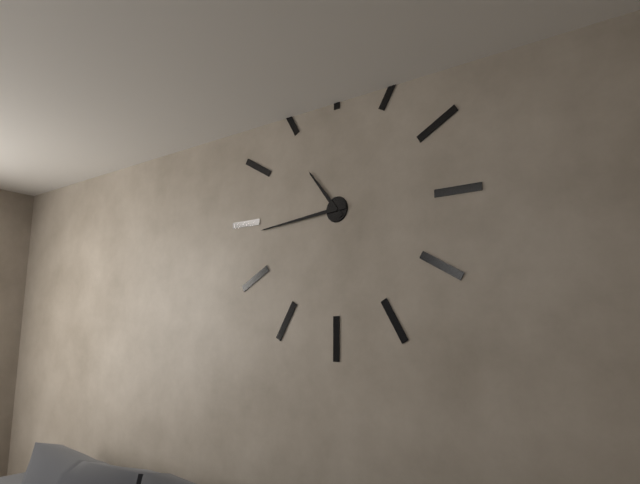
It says 10:44
